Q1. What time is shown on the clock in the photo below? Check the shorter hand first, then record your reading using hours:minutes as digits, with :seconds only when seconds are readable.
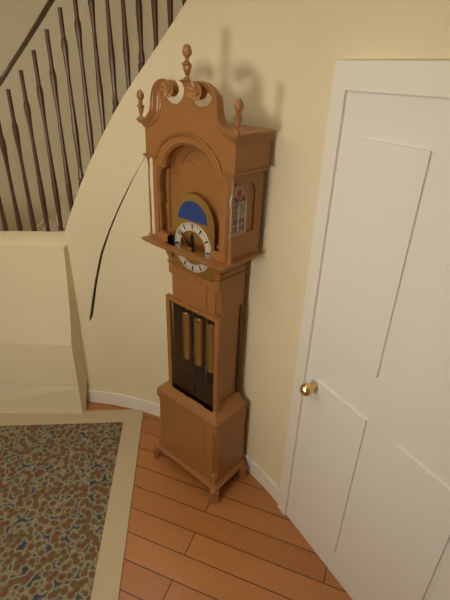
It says 11:52
